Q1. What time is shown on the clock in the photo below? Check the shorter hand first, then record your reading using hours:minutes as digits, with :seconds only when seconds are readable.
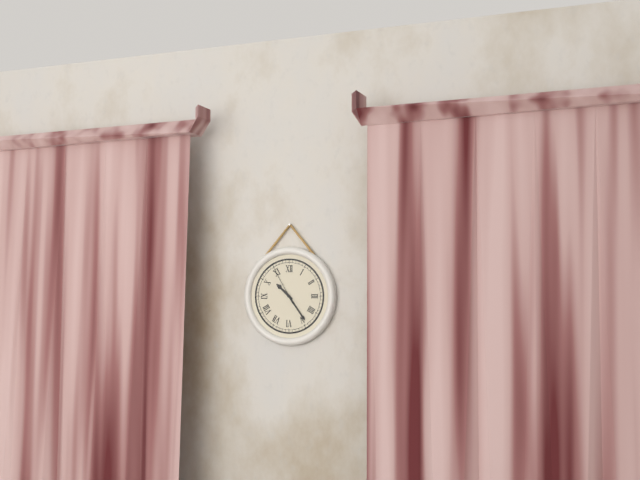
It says 10:24
